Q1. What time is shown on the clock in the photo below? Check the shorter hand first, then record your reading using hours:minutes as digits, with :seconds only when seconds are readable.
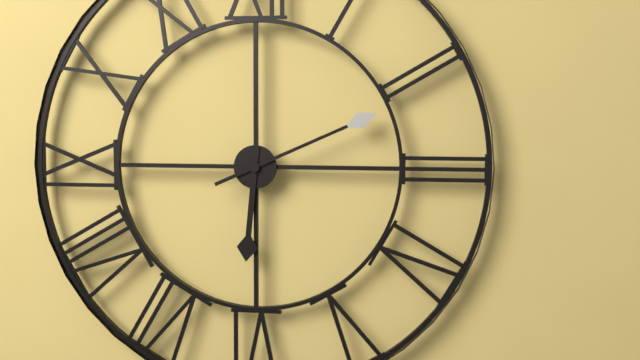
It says 6:11
